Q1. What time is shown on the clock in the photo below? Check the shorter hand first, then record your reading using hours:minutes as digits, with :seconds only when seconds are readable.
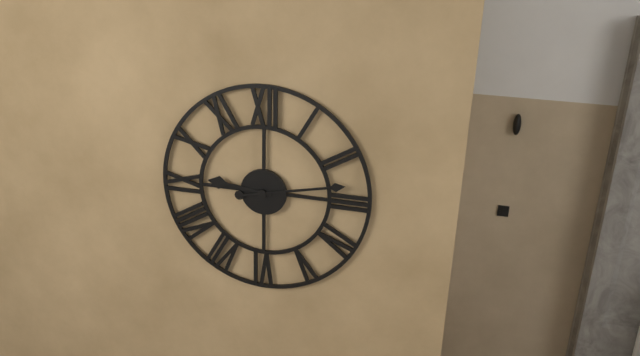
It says 9:13
